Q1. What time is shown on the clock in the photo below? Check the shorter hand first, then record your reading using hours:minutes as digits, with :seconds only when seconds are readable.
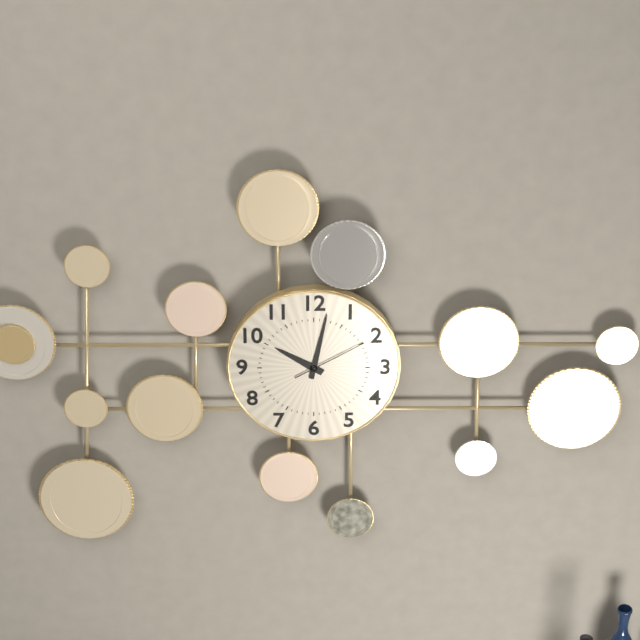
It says 10:02:10
